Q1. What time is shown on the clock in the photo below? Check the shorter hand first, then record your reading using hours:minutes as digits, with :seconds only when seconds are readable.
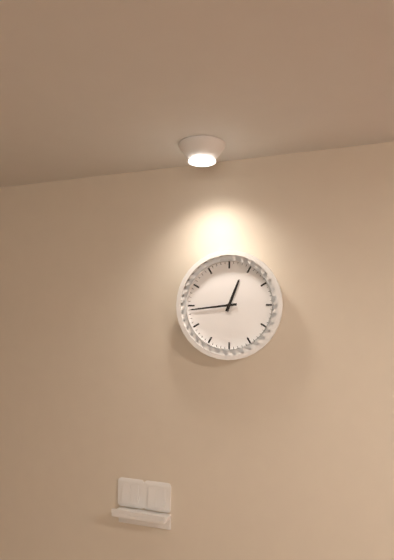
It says 12:44
